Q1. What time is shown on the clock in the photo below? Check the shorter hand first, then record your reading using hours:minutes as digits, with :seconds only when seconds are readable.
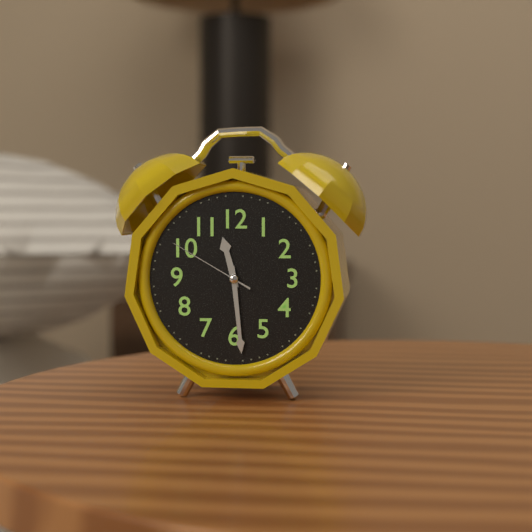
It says 11:29:50
